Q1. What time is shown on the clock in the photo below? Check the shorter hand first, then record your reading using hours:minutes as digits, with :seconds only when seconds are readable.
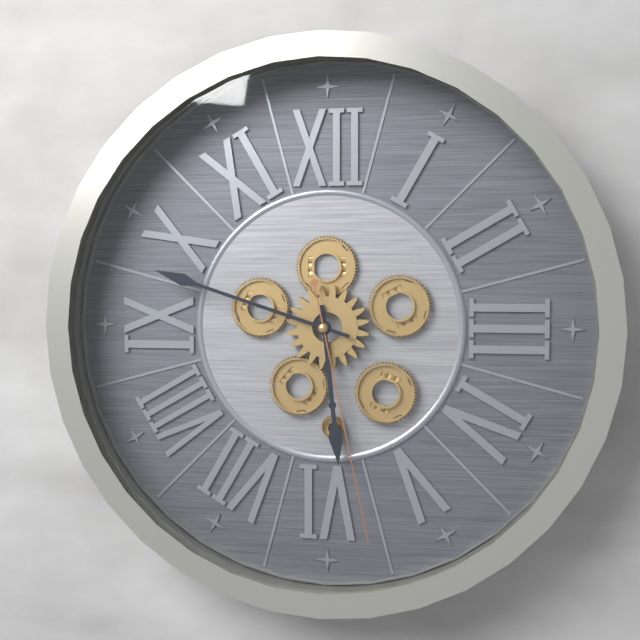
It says 5:48:28
